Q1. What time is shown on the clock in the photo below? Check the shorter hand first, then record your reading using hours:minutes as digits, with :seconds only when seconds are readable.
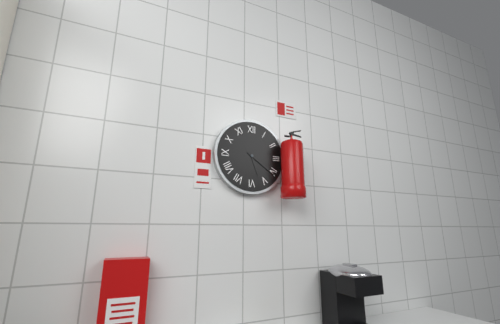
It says 5:21
